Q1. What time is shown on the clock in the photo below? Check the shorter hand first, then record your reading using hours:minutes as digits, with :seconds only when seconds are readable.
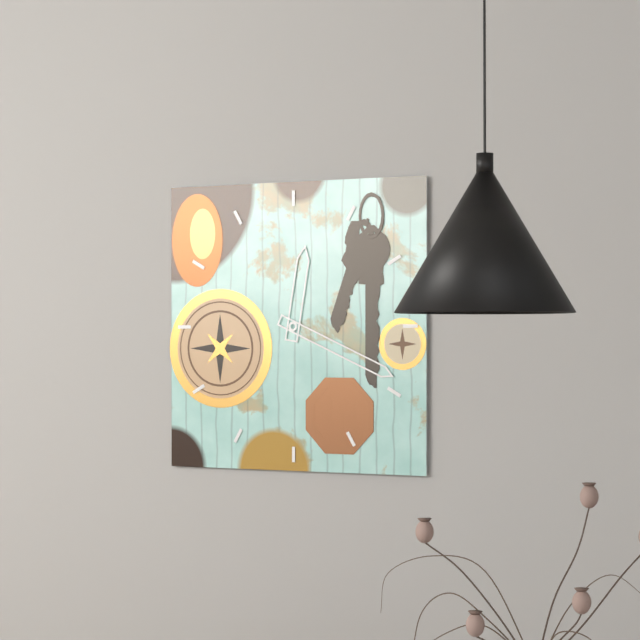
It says 12:19
